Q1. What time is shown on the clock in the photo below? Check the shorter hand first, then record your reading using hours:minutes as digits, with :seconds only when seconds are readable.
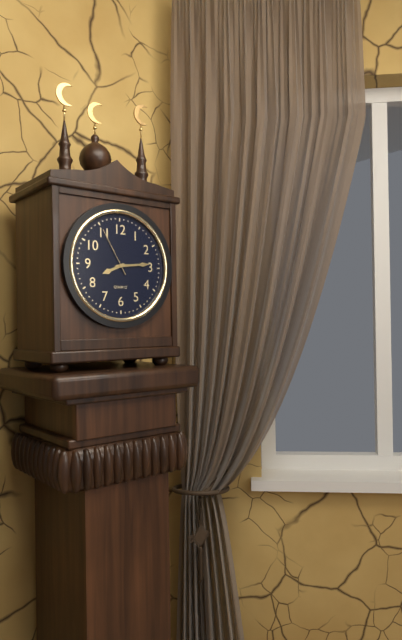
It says 8:14:55
